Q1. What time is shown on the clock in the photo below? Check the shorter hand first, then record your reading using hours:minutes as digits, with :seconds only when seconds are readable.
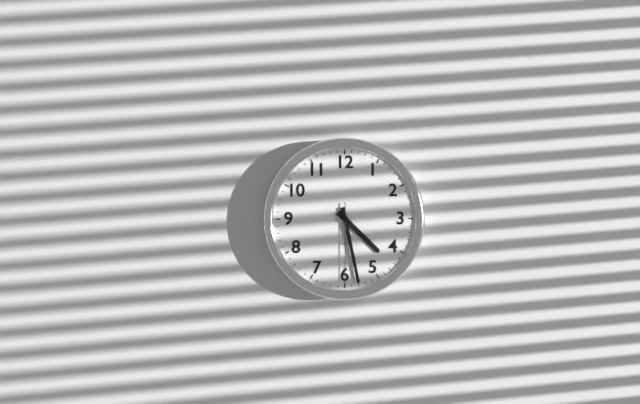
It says 4:28:30
